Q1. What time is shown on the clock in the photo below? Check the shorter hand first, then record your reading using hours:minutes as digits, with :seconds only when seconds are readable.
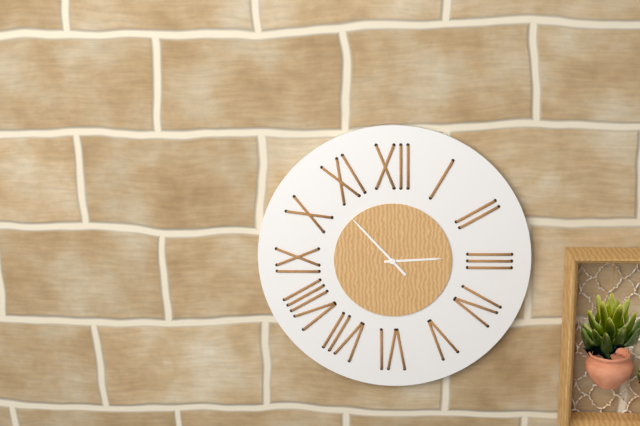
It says 2:53
